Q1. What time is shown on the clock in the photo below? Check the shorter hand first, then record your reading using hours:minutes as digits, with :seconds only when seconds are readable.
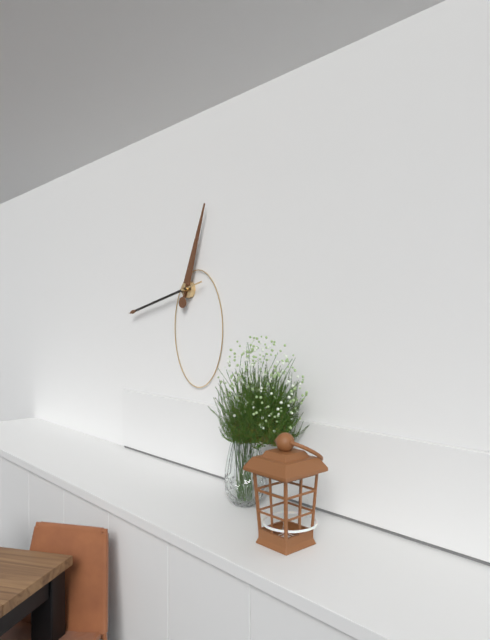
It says 12:43
